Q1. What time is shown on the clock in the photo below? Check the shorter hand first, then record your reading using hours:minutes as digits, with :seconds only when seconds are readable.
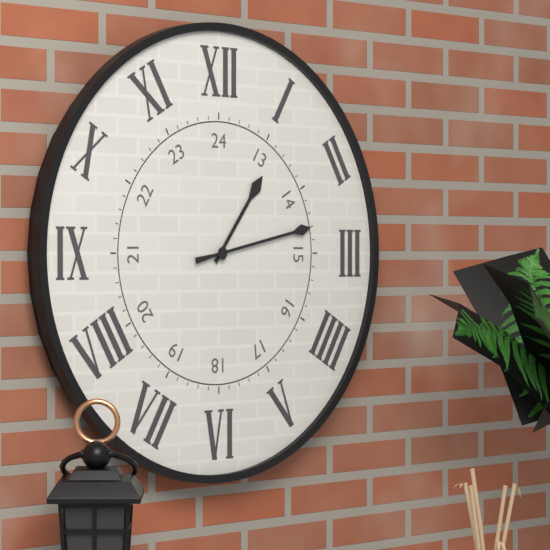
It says 1:13
